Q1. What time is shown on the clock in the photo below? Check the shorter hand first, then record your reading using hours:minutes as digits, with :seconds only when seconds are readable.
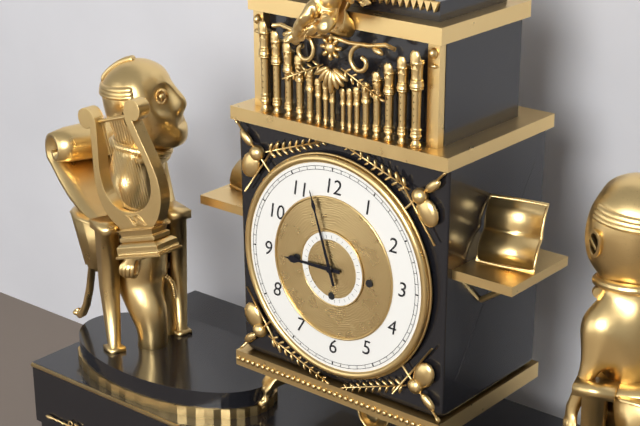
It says 8:57
